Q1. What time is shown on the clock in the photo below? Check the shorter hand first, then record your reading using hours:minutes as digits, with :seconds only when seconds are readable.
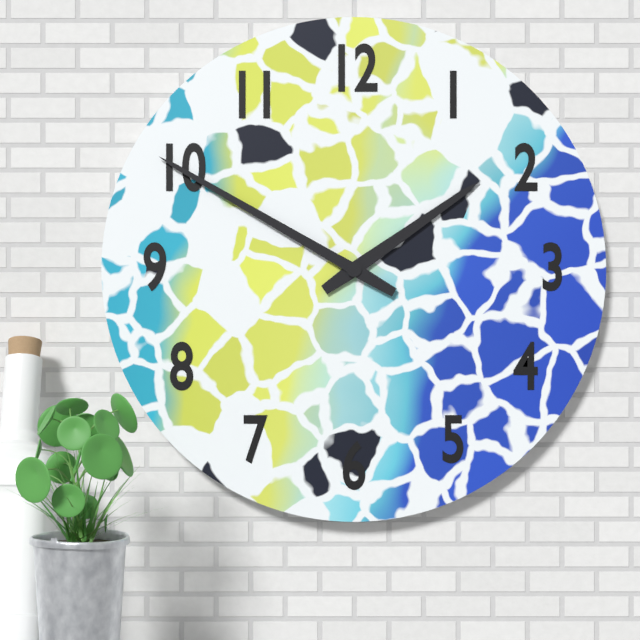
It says 1:50
